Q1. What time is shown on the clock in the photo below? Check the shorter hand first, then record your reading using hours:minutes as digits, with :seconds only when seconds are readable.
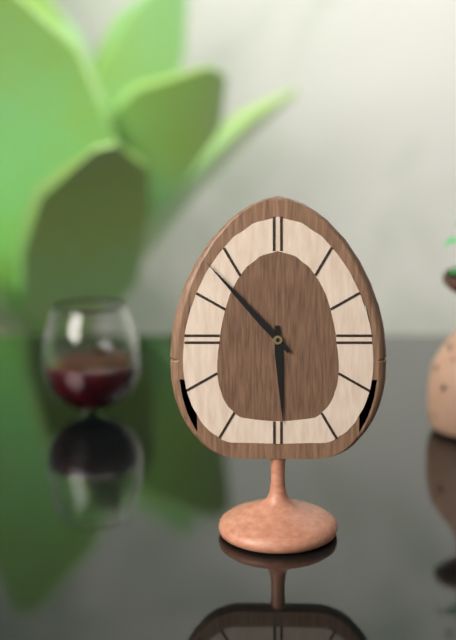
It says 5:53
